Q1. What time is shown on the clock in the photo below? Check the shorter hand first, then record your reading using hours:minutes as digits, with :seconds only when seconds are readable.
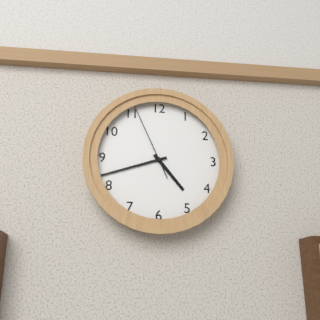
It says 4:42:56
